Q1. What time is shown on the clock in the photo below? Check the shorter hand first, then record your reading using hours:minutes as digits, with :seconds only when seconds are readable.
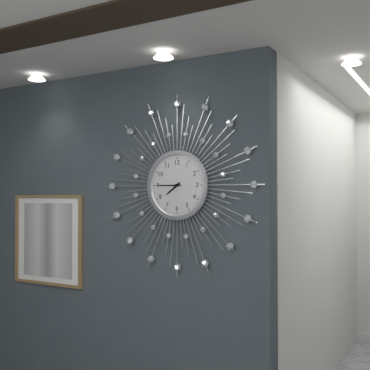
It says 7:45
